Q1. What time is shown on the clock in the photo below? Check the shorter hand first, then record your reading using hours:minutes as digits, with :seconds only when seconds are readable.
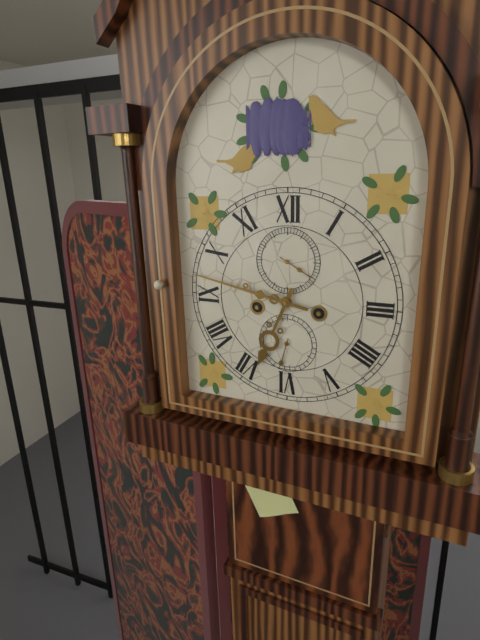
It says 6:47
